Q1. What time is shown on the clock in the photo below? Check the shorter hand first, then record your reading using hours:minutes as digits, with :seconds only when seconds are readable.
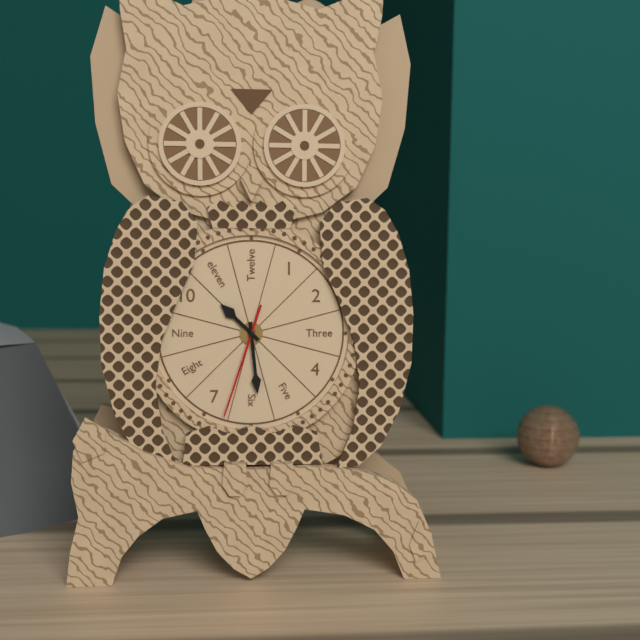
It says 10:29:33
